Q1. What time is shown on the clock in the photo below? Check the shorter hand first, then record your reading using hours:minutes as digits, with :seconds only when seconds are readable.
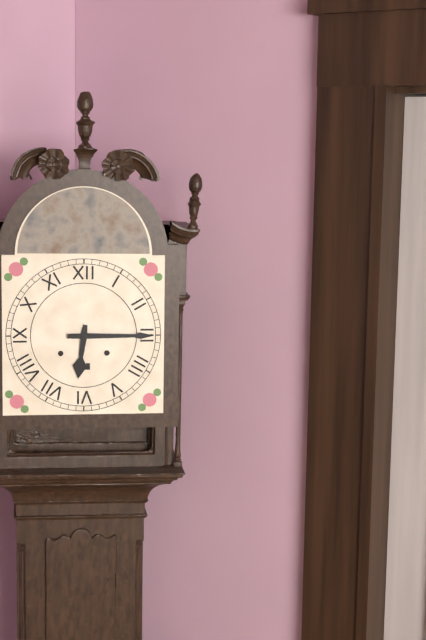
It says 6:15
